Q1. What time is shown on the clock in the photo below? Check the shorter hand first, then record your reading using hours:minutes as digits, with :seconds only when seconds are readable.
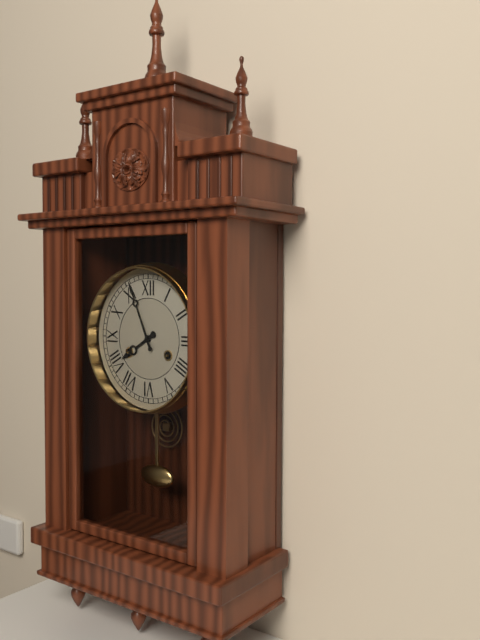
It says 7:56
